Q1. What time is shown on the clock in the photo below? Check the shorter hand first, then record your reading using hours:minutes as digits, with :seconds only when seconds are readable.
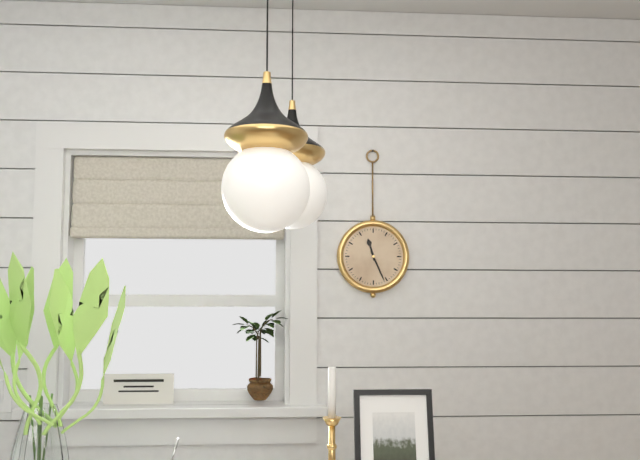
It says 11:26
